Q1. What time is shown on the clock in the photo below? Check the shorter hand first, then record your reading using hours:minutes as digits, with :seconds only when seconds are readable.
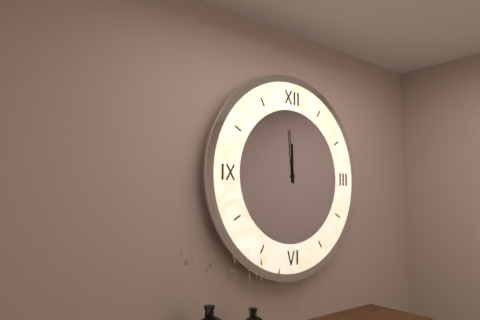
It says 11:59
